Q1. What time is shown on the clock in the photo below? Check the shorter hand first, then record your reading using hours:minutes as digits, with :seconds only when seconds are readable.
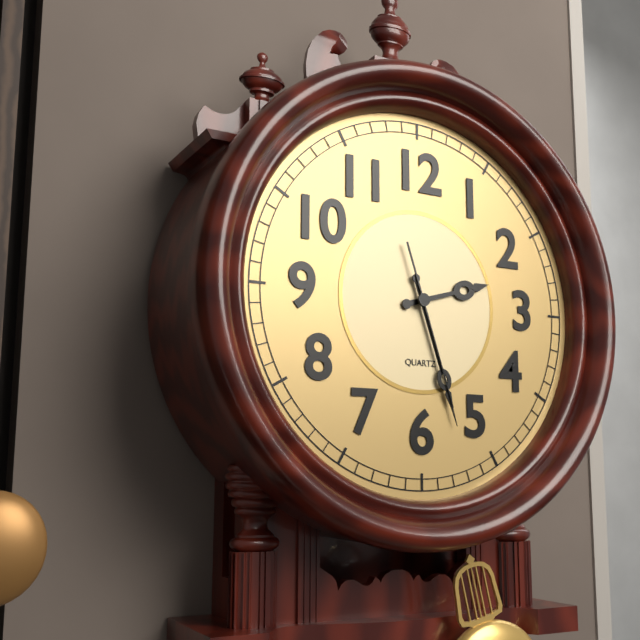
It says 2:27:27
